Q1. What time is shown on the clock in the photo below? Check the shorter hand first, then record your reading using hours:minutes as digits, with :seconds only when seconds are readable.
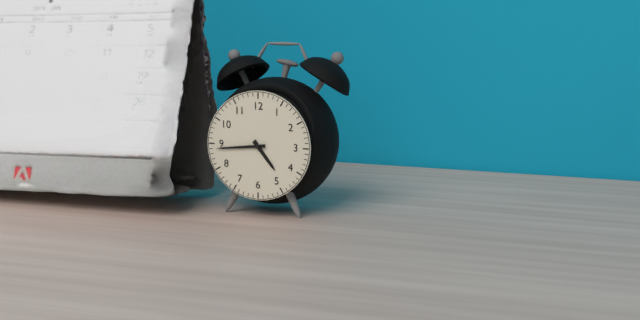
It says 4:44
